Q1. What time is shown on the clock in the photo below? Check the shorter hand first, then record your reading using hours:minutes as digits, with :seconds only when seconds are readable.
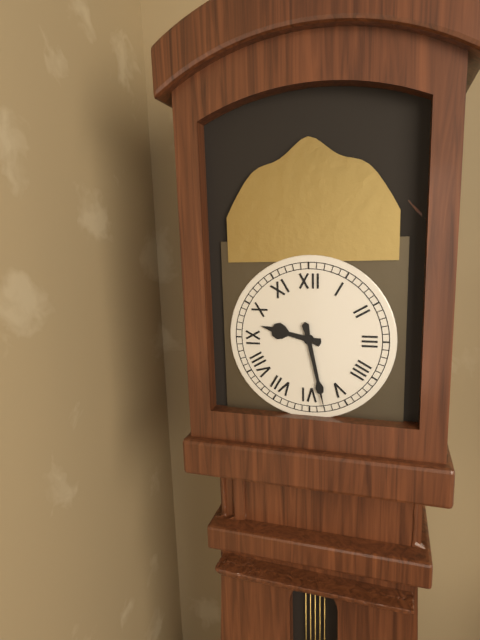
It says 9:28
